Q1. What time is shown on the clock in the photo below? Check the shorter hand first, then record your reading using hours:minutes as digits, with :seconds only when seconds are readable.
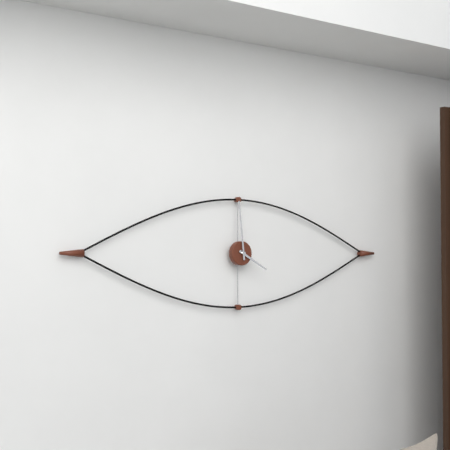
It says 3:59
